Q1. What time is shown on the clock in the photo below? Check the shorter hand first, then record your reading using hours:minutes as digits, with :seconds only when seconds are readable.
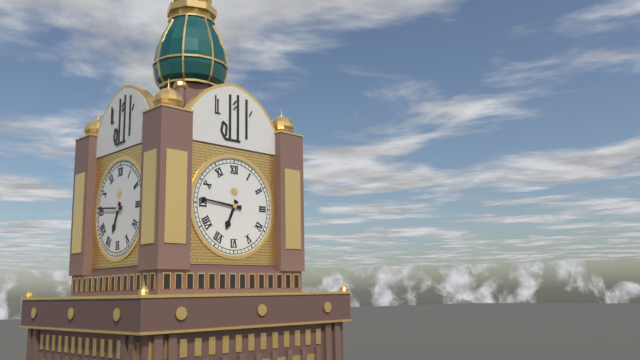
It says 6:46
